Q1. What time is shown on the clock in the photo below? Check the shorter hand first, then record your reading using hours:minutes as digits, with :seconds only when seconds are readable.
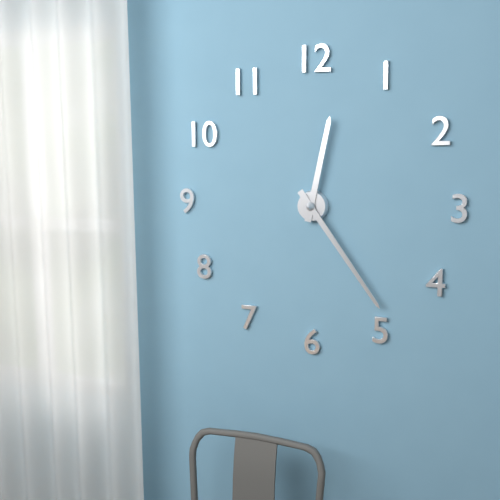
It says 12:24
